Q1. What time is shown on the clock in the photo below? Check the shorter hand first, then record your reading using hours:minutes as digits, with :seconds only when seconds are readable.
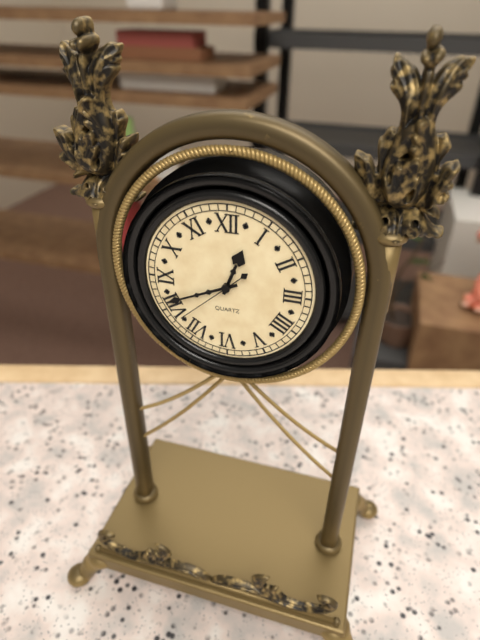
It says 12:41:38
